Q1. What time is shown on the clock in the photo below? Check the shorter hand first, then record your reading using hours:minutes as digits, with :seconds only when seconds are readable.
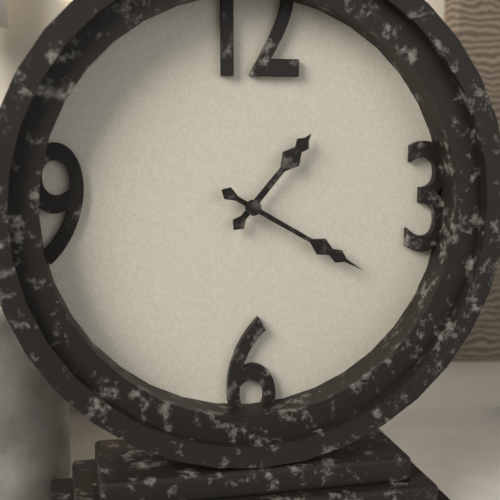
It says 1:20
